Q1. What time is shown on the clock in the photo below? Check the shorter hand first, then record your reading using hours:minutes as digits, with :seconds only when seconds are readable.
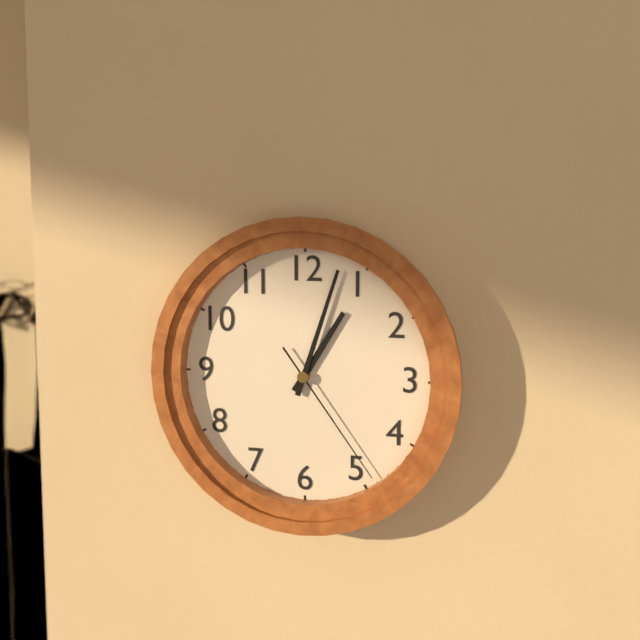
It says 1:03:24
